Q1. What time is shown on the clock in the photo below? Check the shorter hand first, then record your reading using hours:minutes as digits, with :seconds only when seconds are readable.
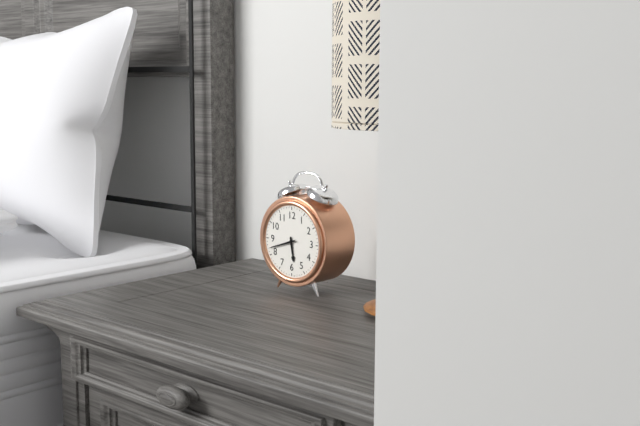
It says 5:42
